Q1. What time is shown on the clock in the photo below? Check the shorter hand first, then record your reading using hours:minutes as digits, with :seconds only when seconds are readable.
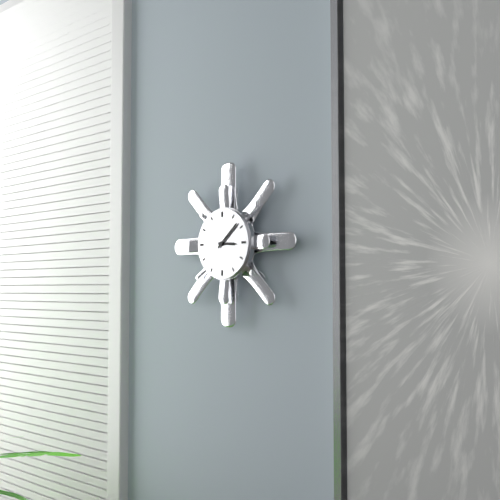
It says 3:08
